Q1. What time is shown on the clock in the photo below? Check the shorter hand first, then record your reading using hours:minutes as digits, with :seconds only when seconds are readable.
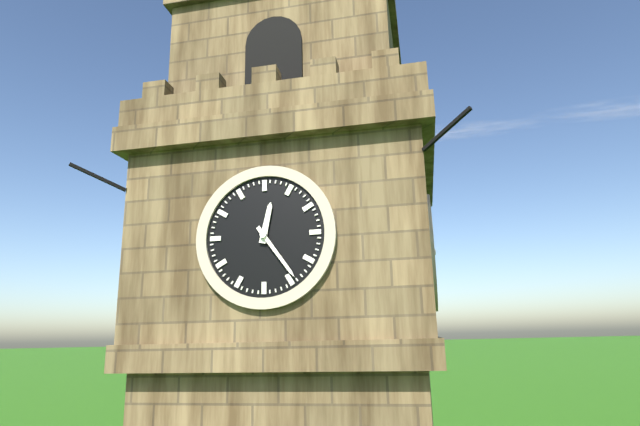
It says 12:24
